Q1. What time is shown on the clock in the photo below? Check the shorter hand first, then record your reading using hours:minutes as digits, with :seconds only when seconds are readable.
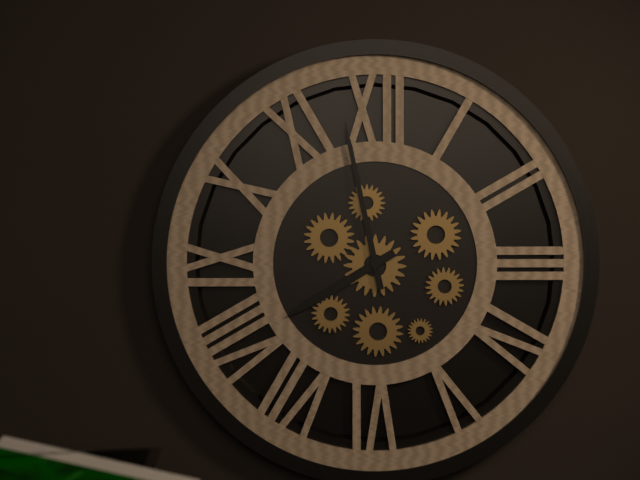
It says 7:58
